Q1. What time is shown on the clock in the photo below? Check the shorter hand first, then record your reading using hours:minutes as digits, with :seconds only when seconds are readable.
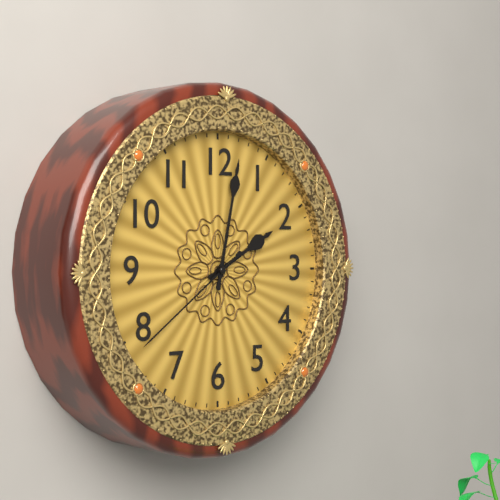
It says 2:02:39
